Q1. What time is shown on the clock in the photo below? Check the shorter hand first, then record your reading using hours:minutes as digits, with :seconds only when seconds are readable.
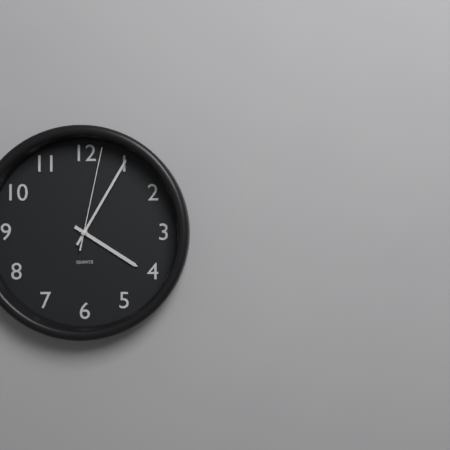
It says 4:05:02
